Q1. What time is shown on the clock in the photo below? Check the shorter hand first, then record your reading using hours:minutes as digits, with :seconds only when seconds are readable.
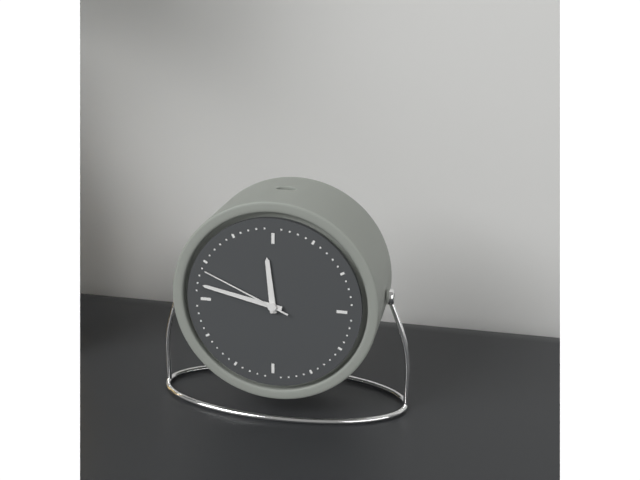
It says 11:47:49
